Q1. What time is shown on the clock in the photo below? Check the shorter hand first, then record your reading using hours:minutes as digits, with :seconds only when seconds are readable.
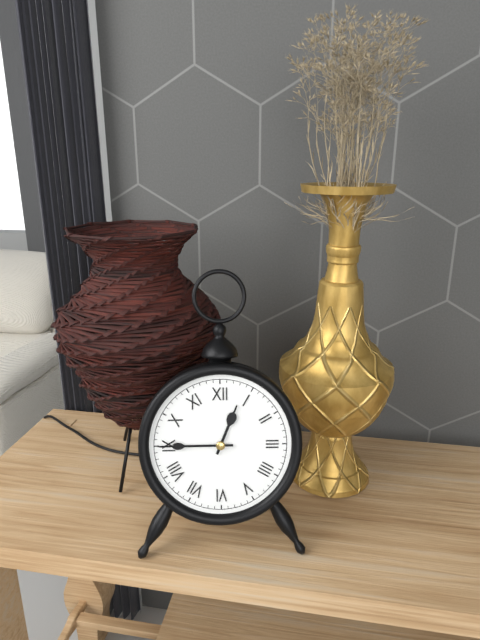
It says 12:45
